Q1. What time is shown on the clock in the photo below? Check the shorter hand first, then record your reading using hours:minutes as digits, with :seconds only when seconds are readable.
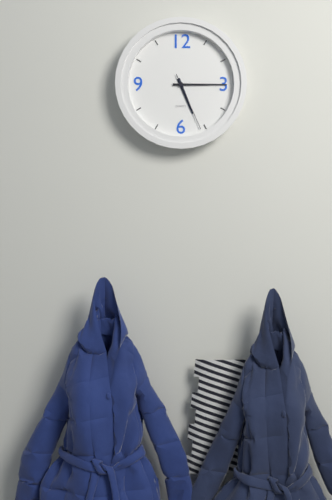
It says 5:15:26
